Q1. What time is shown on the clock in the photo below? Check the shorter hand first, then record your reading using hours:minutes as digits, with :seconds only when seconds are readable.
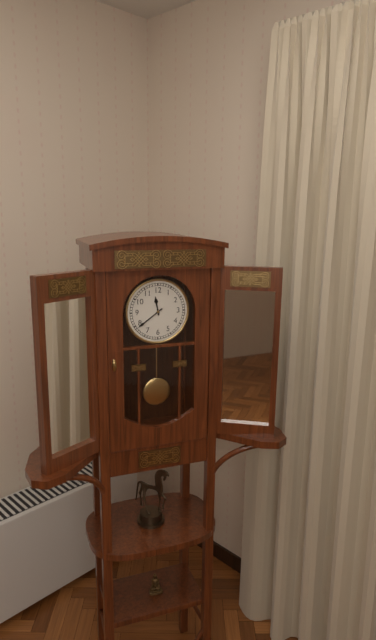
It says 11:39
